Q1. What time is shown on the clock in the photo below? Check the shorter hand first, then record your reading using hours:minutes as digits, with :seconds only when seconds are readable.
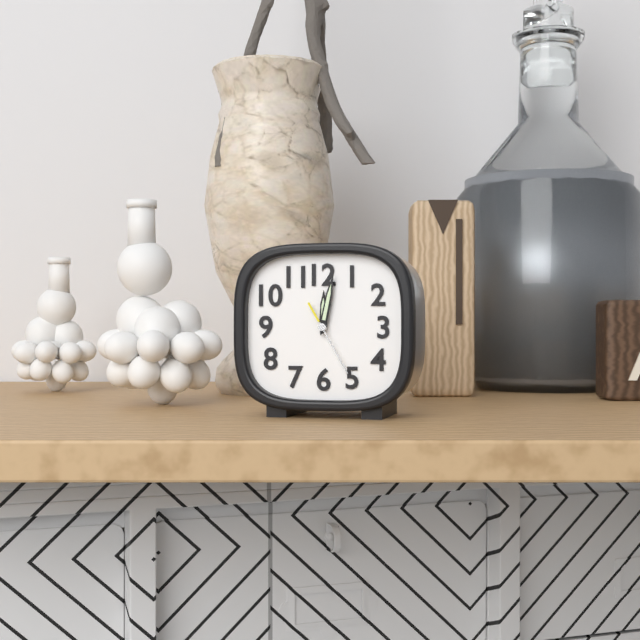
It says 12:02:25
